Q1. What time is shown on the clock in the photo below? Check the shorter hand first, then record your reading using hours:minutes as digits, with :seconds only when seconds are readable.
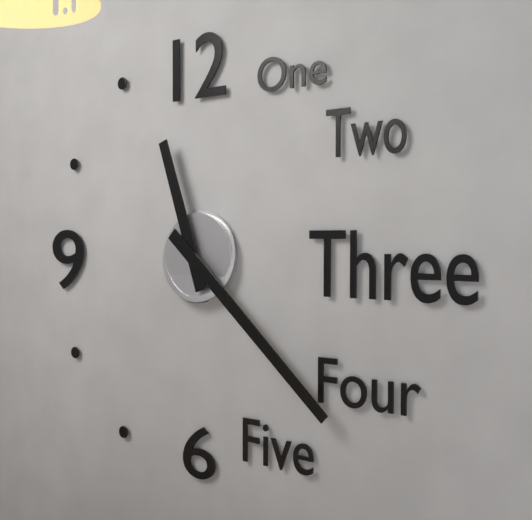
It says 11:22
